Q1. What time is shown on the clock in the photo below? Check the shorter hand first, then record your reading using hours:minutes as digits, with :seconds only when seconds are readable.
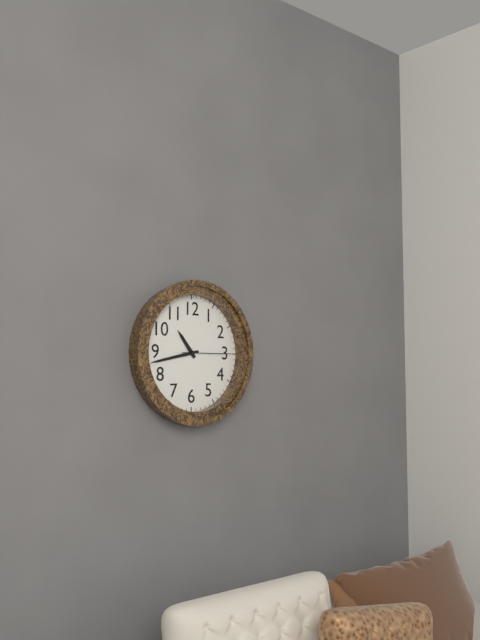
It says 10:43
